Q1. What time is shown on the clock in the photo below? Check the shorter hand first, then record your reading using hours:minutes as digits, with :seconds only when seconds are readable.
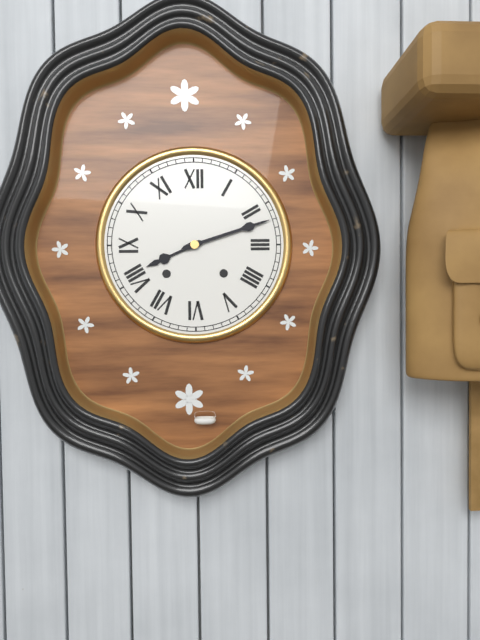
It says 8:12
